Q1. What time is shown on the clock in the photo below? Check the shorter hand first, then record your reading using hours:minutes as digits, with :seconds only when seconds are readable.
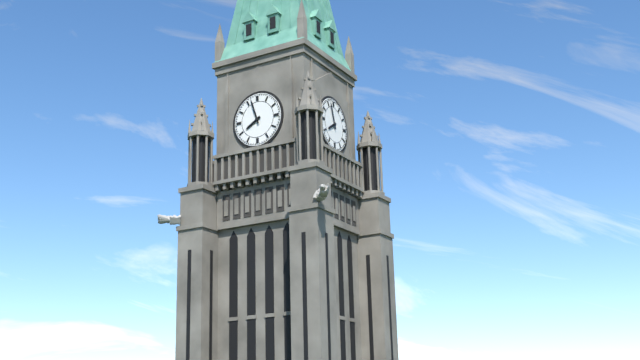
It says 7:57
